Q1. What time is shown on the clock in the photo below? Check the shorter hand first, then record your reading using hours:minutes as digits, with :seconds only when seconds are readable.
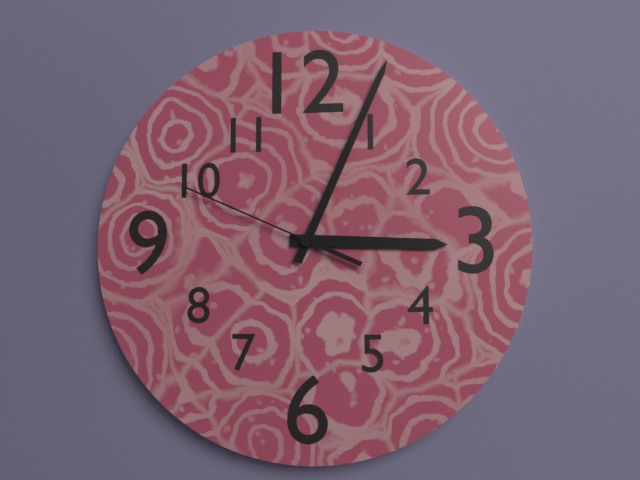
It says 3:04:49
